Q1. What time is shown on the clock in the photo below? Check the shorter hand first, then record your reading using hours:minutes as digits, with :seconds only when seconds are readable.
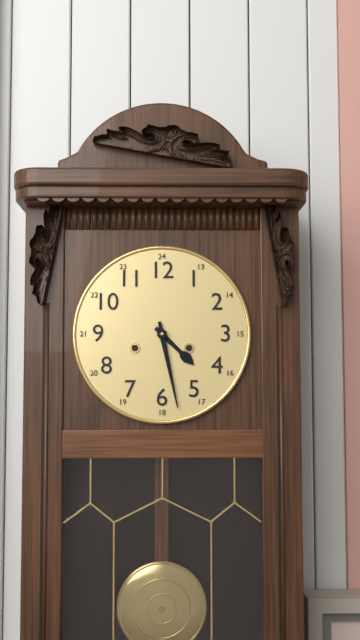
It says 4:28
